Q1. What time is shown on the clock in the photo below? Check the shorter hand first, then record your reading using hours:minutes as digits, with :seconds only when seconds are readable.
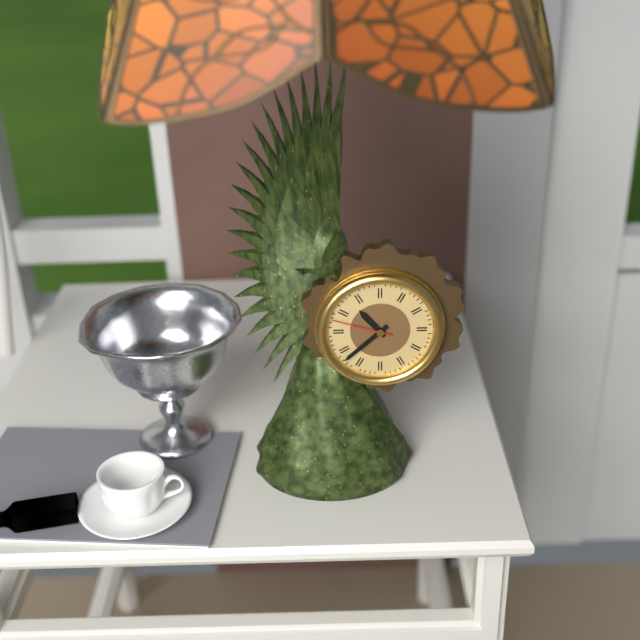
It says 10:38:48
